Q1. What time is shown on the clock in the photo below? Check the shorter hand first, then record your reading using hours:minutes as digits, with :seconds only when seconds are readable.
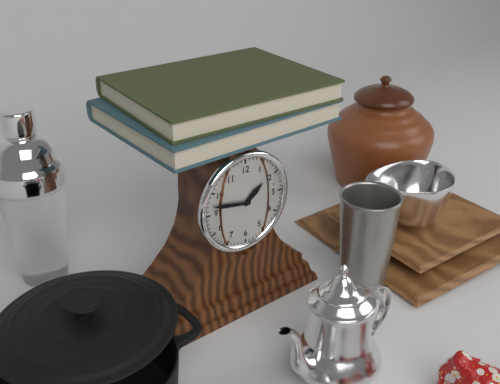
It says 1:47
